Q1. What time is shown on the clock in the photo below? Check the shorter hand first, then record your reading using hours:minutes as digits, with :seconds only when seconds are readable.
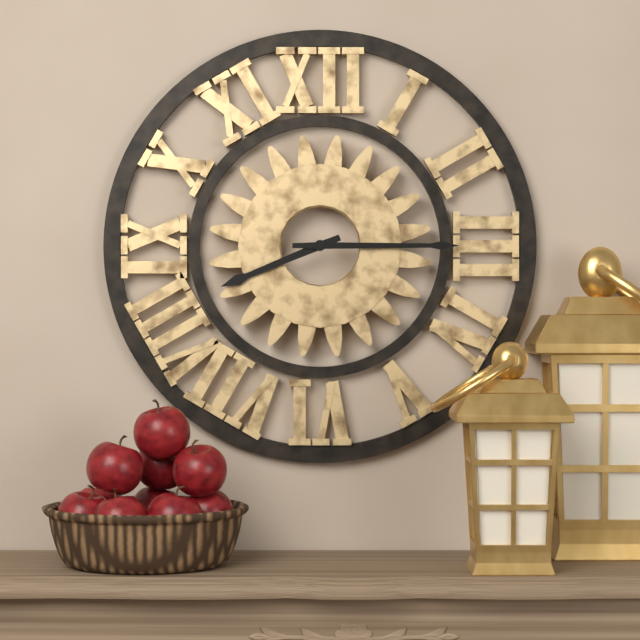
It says 8:15
